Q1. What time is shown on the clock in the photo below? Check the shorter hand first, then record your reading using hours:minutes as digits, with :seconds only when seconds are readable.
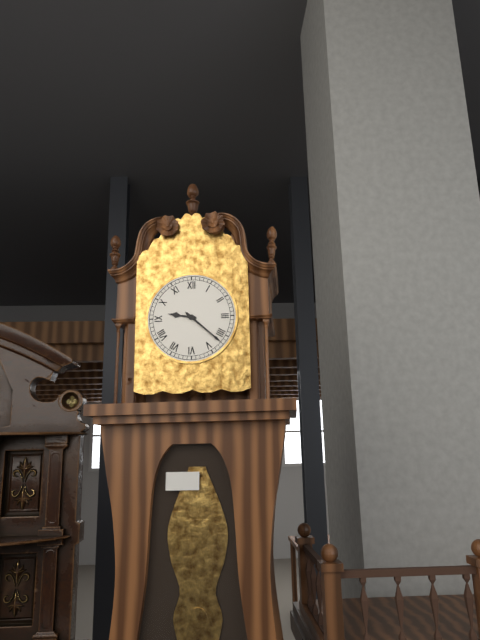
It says 9:22
